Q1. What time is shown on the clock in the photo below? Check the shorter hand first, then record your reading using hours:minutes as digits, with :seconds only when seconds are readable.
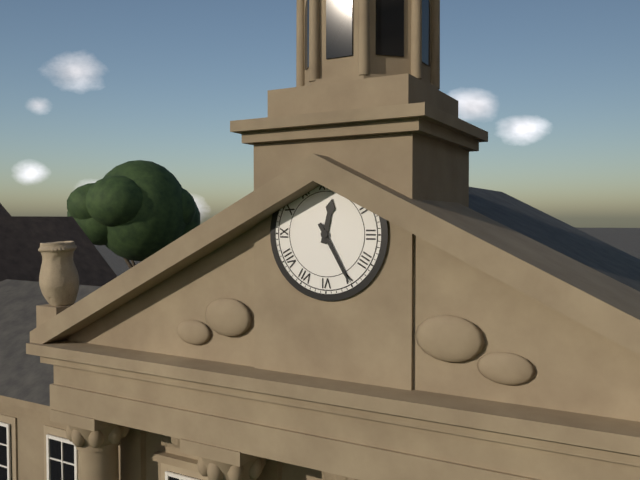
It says 12:25
